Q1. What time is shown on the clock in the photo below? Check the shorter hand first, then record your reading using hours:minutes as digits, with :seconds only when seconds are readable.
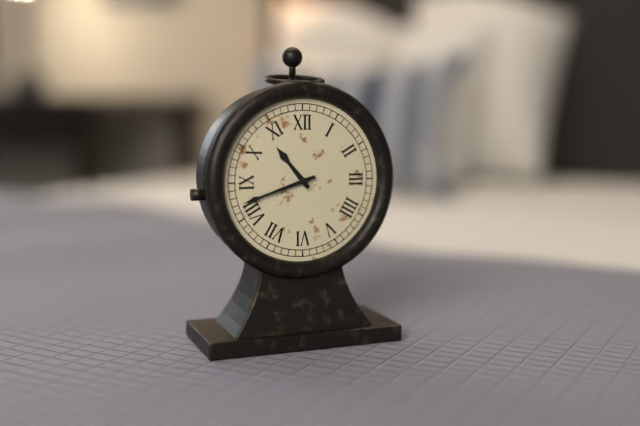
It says 10:42
